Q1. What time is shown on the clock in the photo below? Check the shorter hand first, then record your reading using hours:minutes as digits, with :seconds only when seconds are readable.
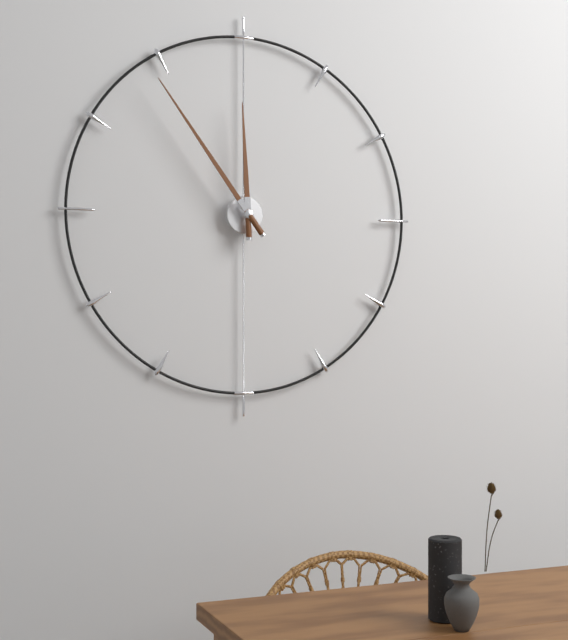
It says 11:54
